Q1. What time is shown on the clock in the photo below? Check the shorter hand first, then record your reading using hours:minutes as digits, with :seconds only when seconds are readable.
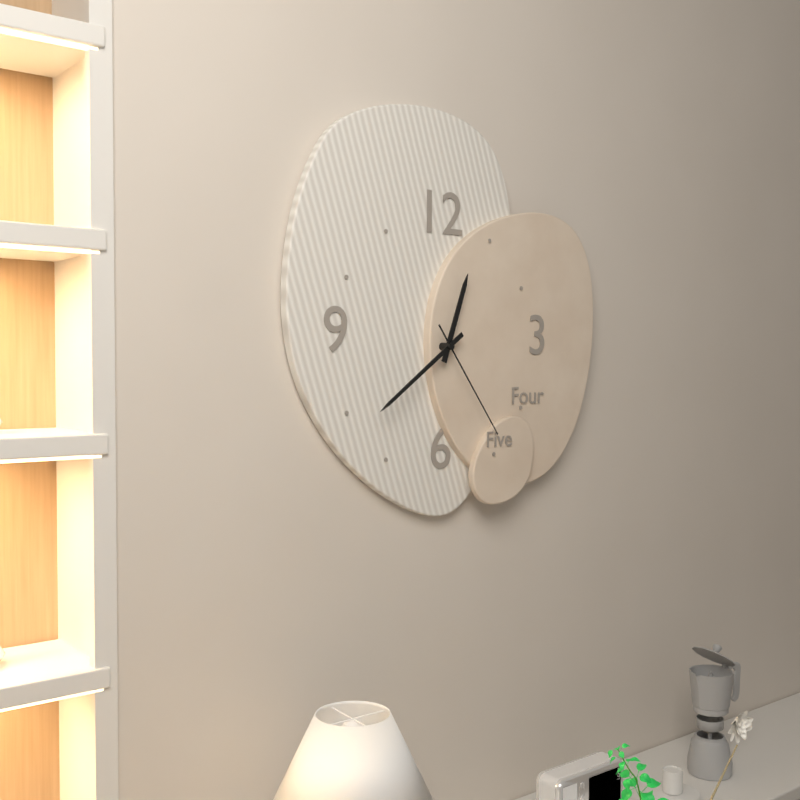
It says 12:39:24
